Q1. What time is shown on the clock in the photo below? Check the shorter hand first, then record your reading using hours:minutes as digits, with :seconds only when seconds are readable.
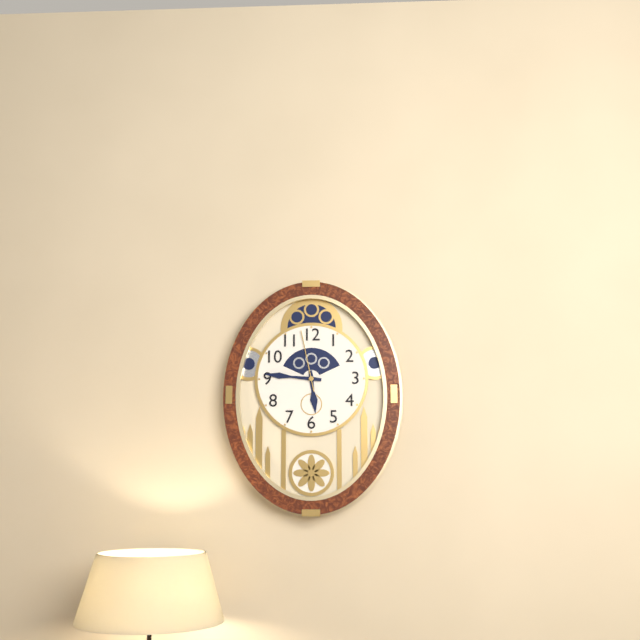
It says 5:46:58
